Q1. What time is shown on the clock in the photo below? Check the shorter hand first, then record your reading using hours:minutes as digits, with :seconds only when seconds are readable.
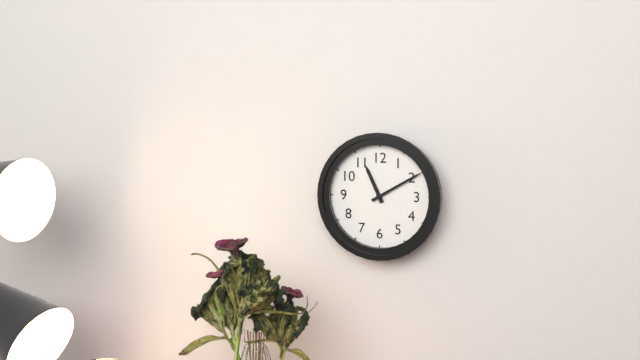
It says 11:10
